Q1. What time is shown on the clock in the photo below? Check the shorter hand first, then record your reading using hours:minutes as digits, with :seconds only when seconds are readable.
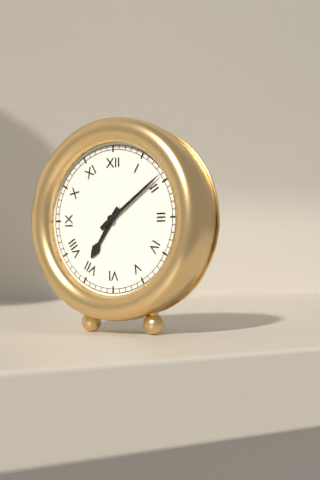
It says 7:09
